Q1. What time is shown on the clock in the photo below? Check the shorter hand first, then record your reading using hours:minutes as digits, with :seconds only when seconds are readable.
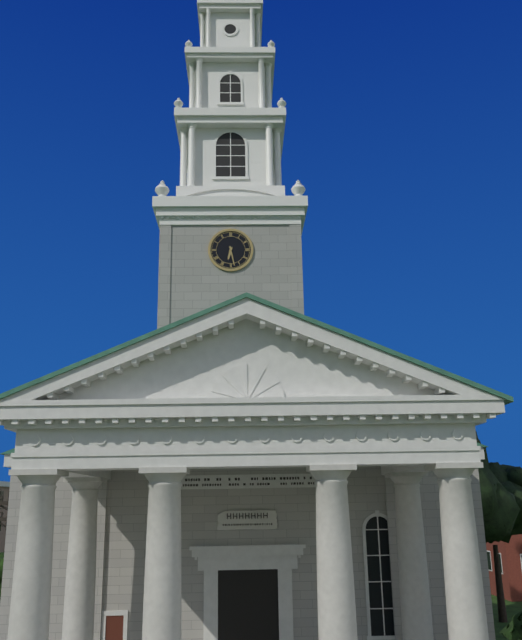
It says 6:28
